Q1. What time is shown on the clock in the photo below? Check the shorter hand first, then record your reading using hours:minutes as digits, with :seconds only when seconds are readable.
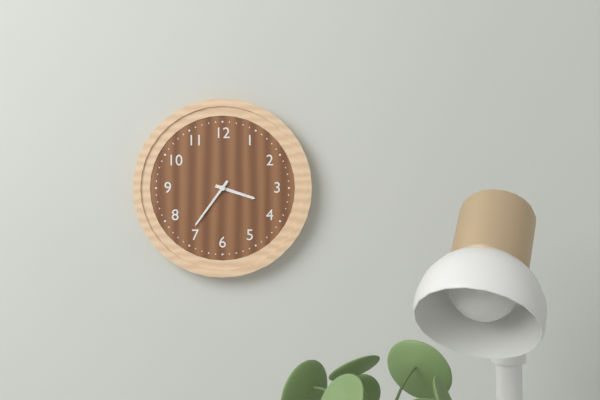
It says 3:36
